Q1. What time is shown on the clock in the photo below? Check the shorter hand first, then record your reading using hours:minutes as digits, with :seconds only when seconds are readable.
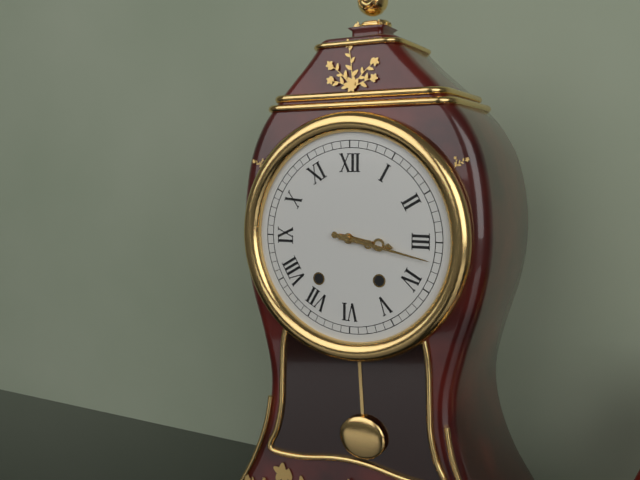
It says 3:17
